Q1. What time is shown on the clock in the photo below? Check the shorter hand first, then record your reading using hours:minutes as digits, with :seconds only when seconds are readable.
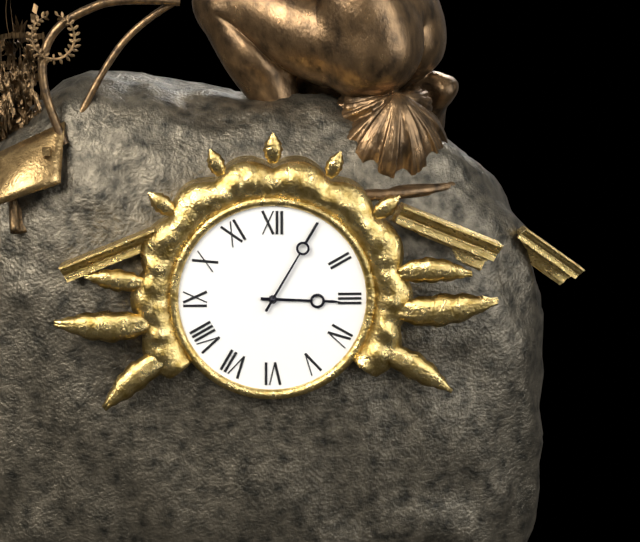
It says 3:05
